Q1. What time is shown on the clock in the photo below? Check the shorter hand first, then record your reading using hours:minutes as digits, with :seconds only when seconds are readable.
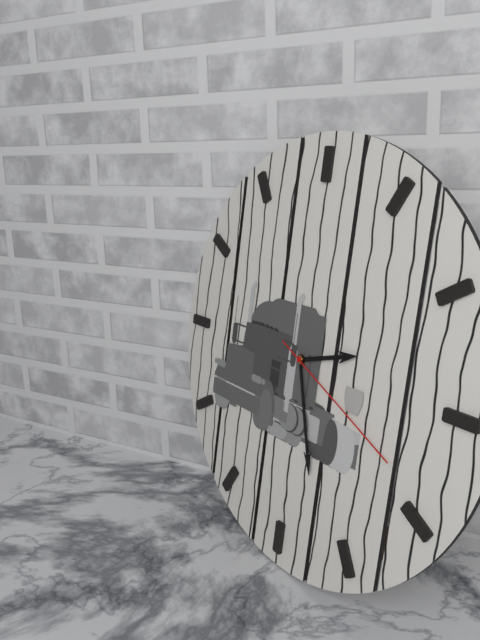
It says 2:27:19
